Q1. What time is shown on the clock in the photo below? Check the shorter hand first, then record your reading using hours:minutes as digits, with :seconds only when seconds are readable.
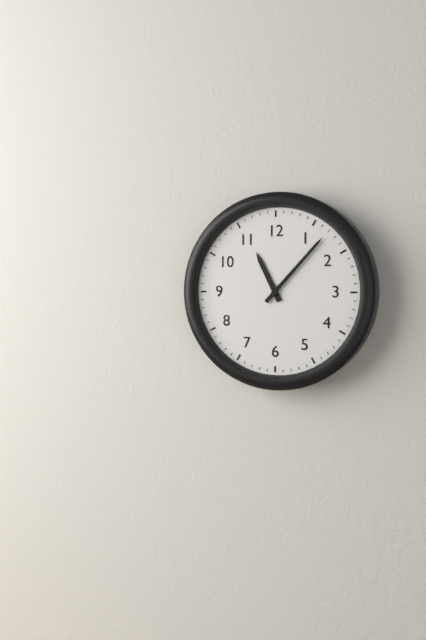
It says 11:07
